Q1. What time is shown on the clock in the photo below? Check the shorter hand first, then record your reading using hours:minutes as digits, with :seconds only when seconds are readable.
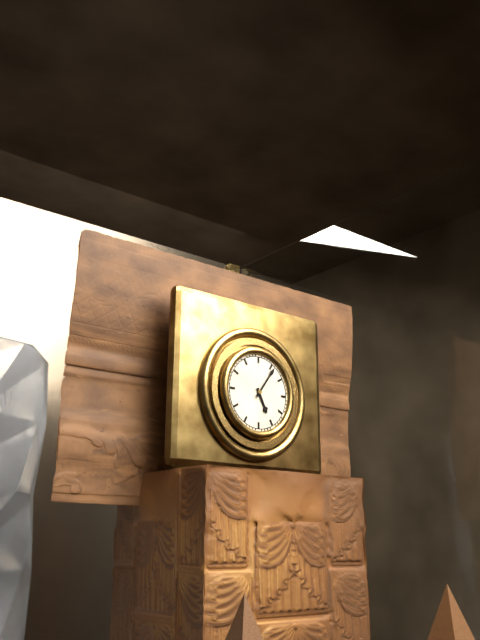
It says 5:06
